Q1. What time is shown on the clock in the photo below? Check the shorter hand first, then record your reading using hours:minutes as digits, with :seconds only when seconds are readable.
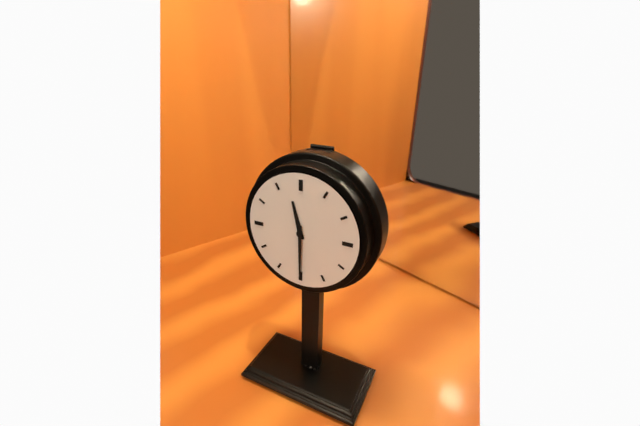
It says 11:30
